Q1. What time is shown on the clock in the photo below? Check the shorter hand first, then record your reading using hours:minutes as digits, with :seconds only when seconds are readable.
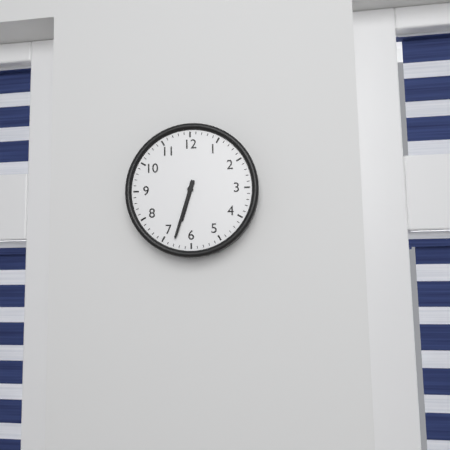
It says 6:33
